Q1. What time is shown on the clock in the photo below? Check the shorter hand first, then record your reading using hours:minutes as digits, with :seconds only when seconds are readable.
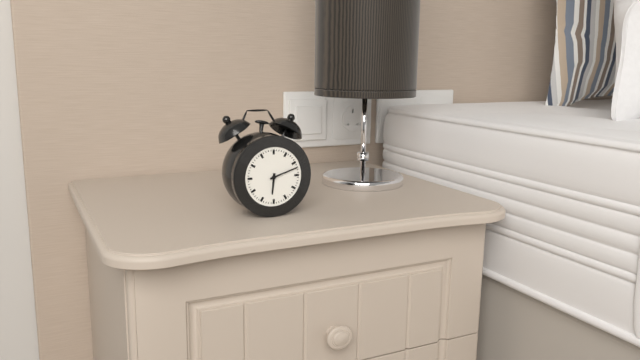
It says 6:12
